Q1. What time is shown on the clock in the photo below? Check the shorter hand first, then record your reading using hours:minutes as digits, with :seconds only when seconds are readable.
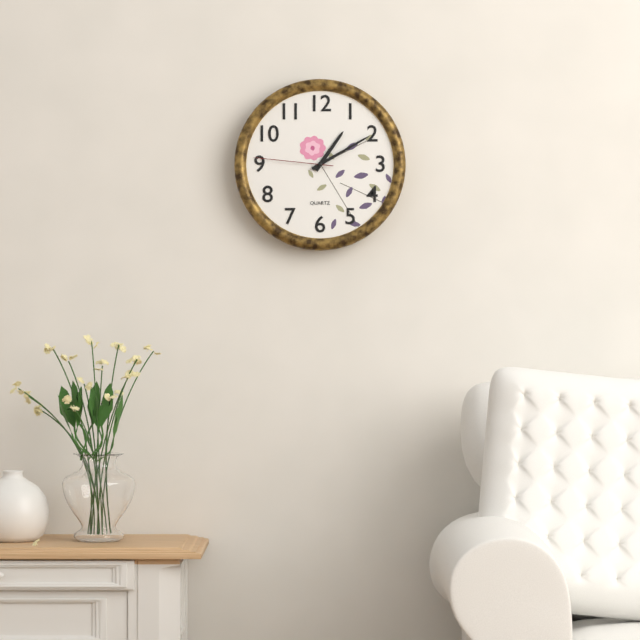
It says 1:10:46
